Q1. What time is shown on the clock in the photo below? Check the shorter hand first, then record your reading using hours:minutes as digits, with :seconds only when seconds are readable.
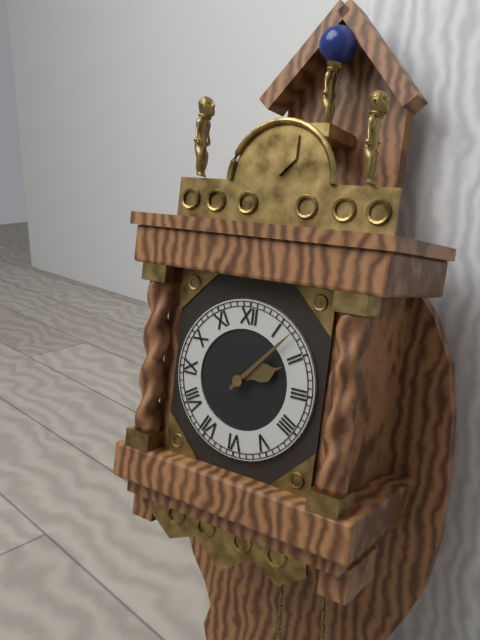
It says 2:07
